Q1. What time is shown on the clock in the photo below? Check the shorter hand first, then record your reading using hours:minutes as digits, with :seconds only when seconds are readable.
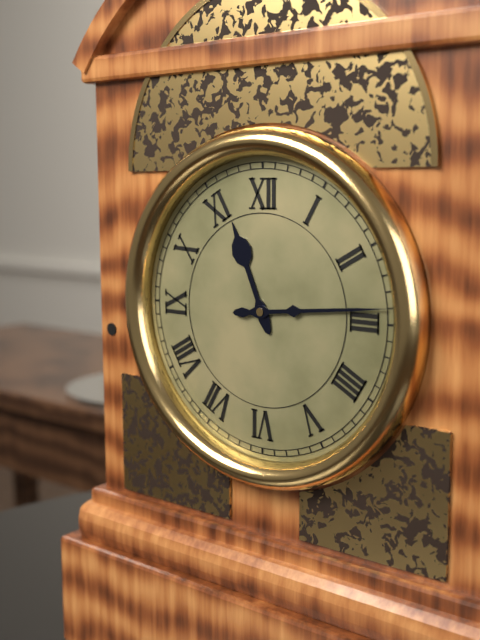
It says 11:14
